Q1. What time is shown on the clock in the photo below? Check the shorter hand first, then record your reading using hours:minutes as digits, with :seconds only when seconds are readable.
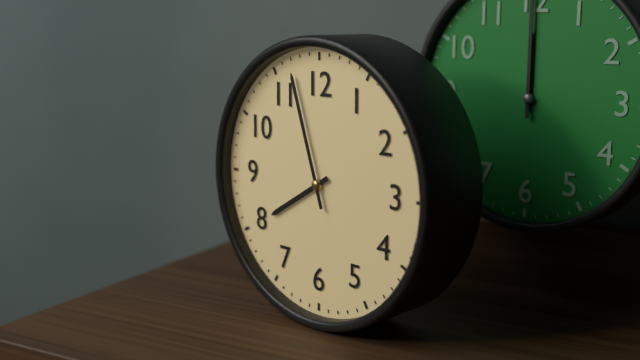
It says 7:57
